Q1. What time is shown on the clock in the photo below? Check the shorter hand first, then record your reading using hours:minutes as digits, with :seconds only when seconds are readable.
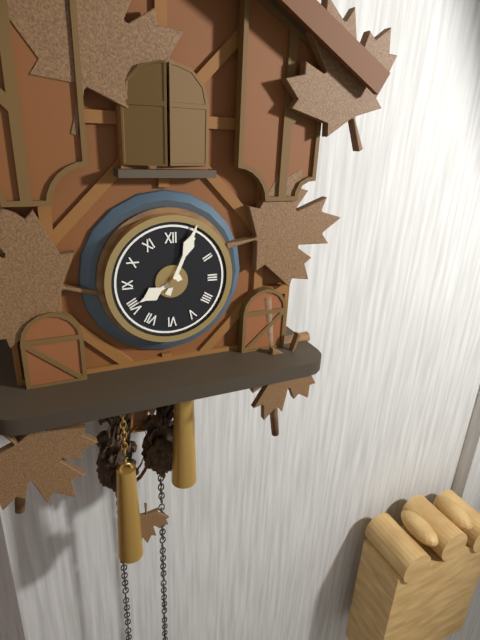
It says 8:04
